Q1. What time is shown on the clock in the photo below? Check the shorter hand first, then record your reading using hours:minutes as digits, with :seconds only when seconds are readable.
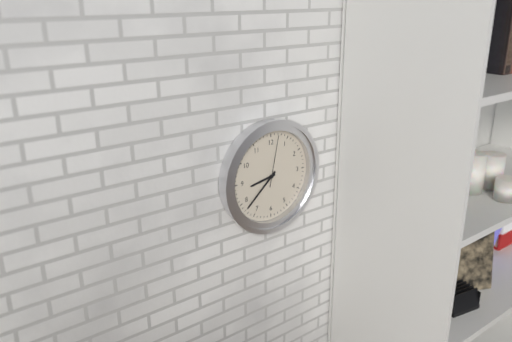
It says 8:38:02
